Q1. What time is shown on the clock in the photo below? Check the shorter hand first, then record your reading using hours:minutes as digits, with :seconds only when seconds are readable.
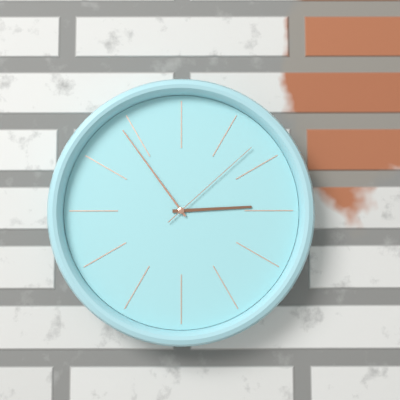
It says 2:54:08
